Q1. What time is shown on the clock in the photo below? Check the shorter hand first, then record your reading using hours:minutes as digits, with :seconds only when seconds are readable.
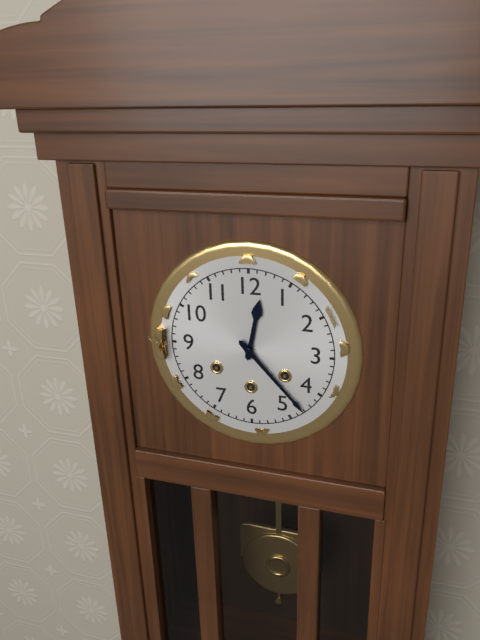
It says 12:23
